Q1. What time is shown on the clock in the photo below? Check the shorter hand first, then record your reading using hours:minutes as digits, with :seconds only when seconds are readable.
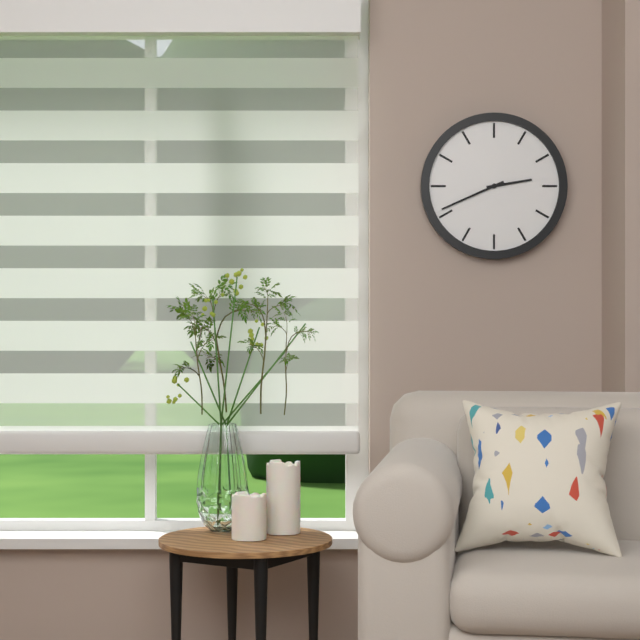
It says 2:41
